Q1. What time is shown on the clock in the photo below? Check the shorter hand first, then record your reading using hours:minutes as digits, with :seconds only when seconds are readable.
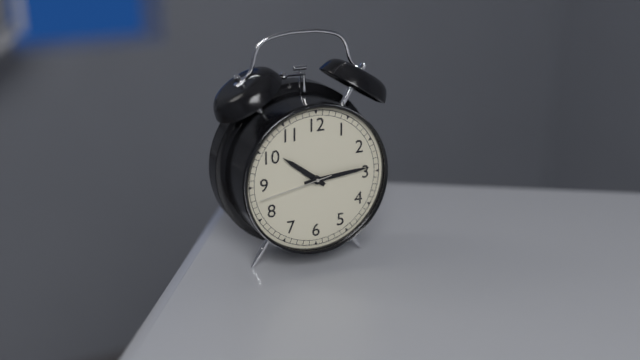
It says 10:14:43
